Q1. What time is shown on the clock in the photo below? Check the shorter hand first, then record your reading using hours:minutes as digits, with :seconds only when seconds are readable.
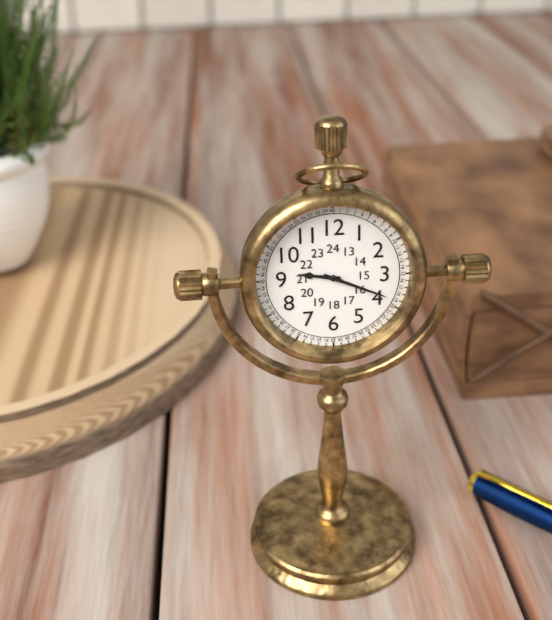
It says 9:19
